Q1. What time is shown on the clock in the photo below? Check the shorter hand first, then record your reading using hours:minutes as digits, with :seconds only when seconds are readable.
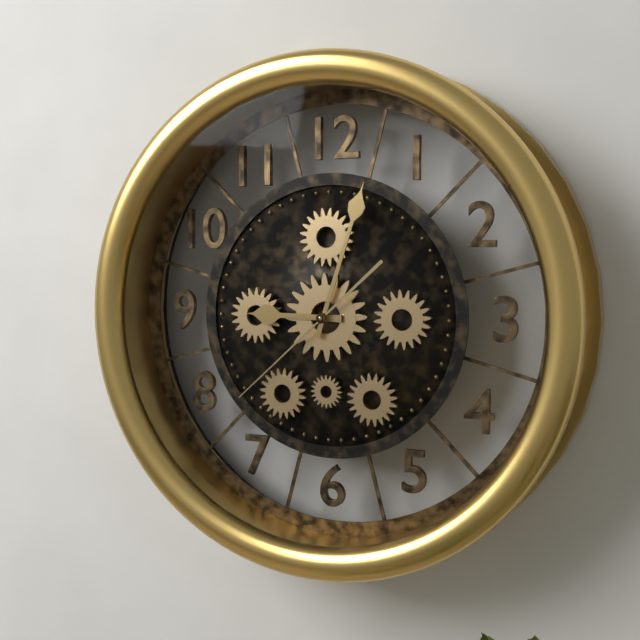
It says 9:03:38
